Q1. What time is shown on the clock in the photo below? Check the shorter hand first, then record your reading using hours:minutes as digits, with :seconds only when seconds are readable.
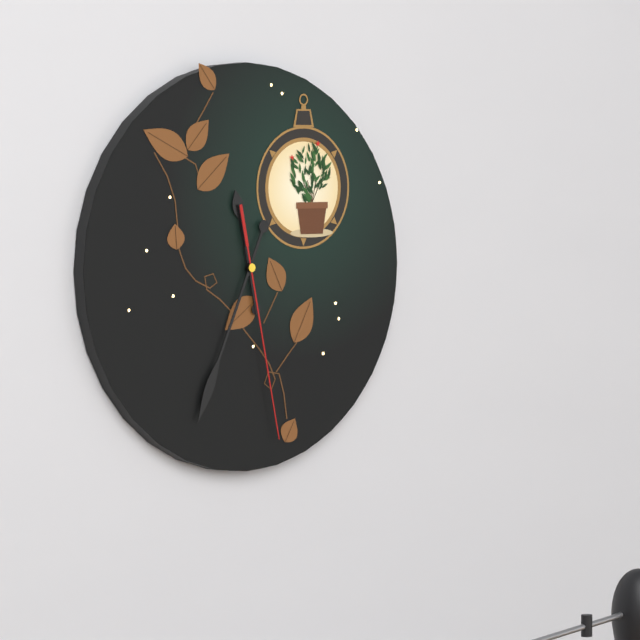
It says 11:34:28
